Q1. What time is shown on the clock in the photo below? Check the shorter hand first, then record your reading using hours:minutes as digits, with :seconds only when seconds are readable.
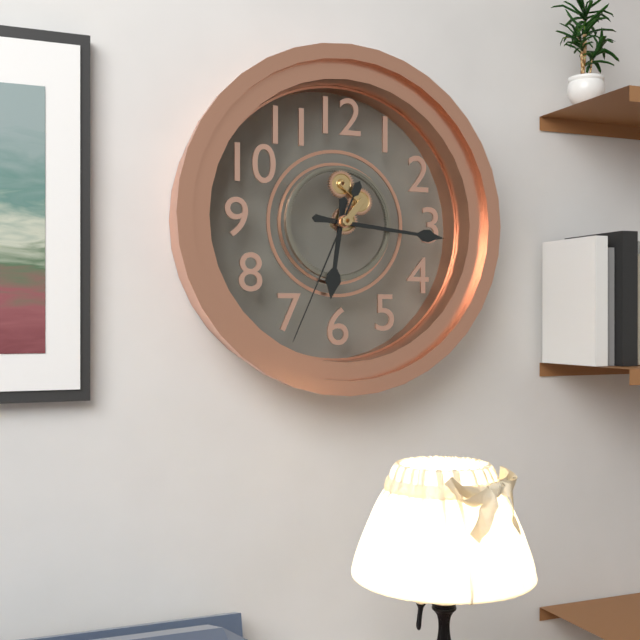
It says 6:16:34
